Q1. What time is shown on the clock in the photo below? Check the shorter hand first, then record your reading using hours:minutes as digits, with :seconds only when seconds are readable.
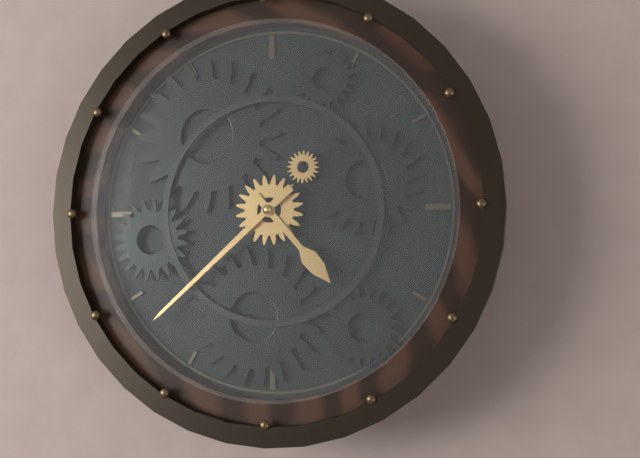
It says 4:38
